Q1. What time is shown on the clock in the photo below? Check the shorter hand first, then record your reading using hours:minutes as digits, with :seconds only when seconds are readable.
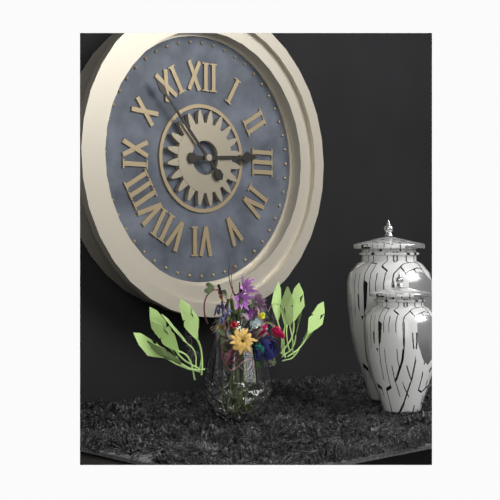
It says 2:53
